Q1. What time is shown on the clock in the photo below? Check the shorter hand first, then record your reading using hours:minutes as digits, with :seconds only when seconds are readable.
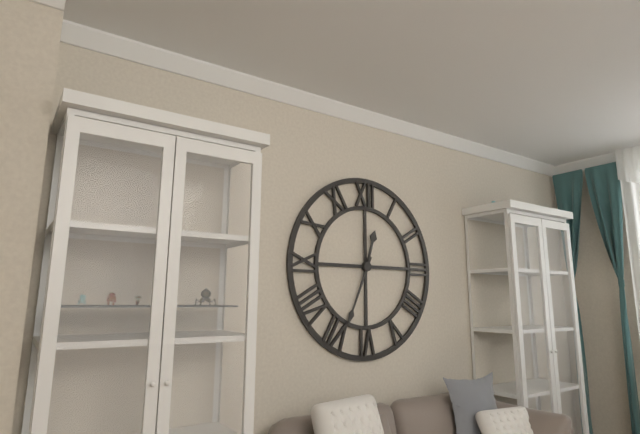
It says 12:34
